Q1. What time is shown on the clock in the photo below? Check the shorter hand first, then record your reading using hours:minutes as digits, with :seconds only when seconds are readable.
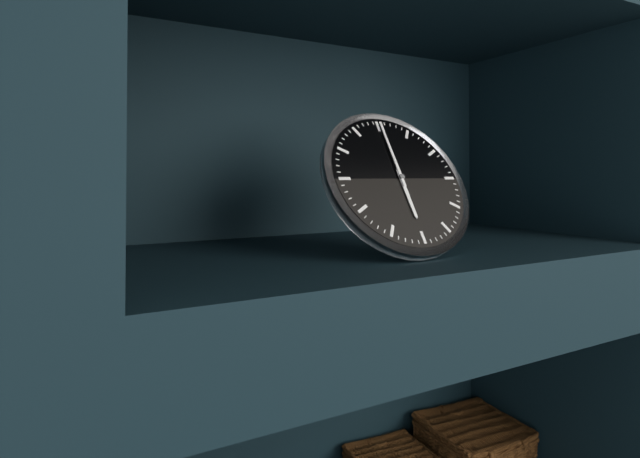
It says 6:00
